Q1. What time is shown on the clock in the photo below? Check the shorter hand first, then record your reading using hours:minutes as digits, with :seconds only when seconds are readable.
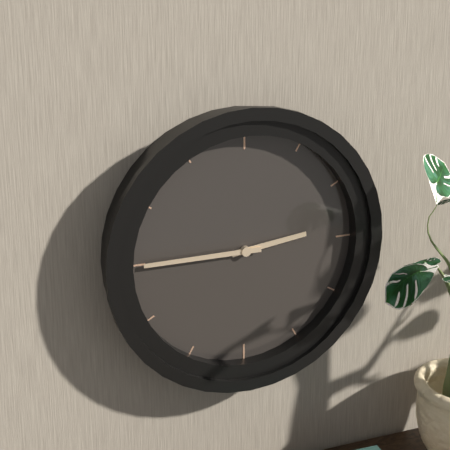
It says 2:45
